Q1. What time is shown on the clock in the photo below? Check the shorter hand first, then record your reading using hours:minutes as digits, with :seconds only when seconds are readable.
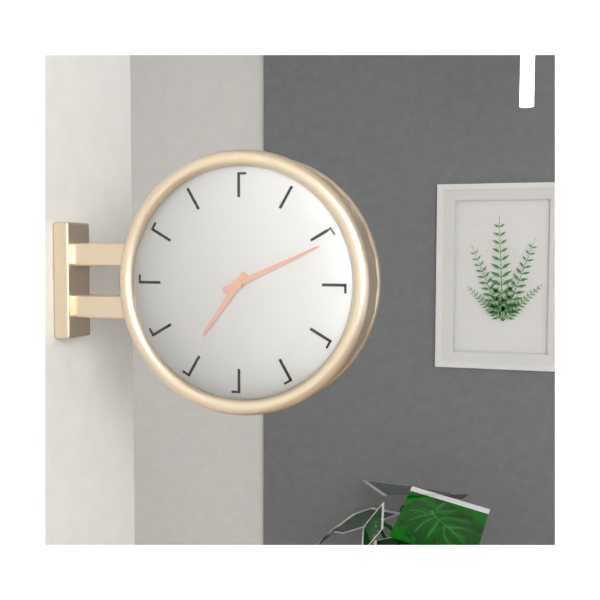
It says 7:11
